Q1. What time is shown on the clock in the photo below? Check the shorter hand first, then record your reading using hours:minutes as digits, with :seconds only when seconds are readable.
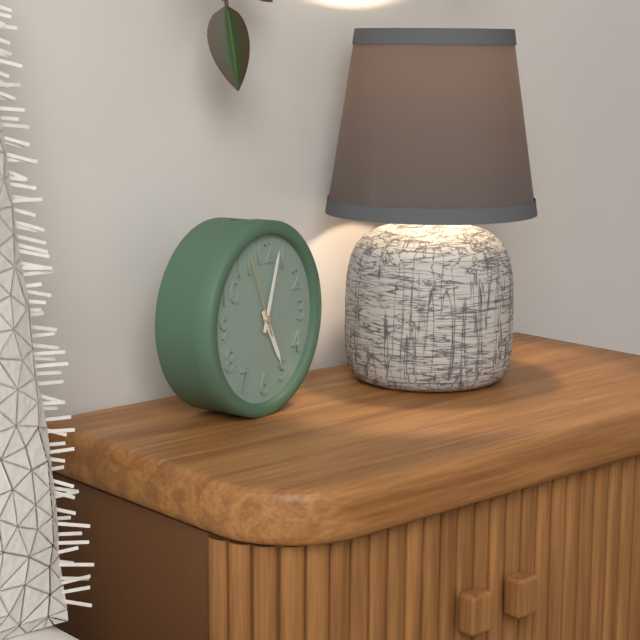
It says 5:03:56
